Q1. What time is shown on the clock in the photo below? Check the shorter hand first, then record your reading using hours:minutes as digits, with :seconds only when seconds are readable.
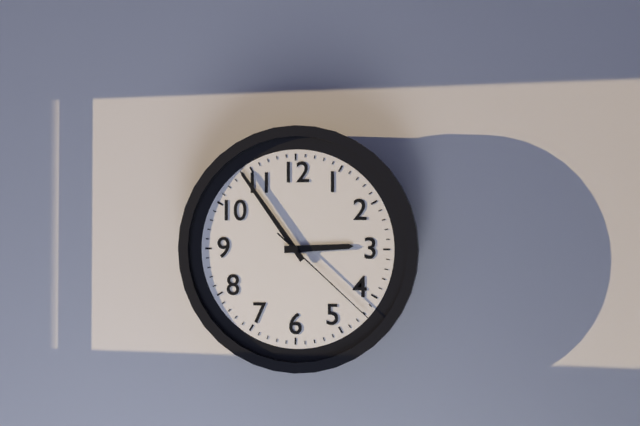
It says 2:54:22
